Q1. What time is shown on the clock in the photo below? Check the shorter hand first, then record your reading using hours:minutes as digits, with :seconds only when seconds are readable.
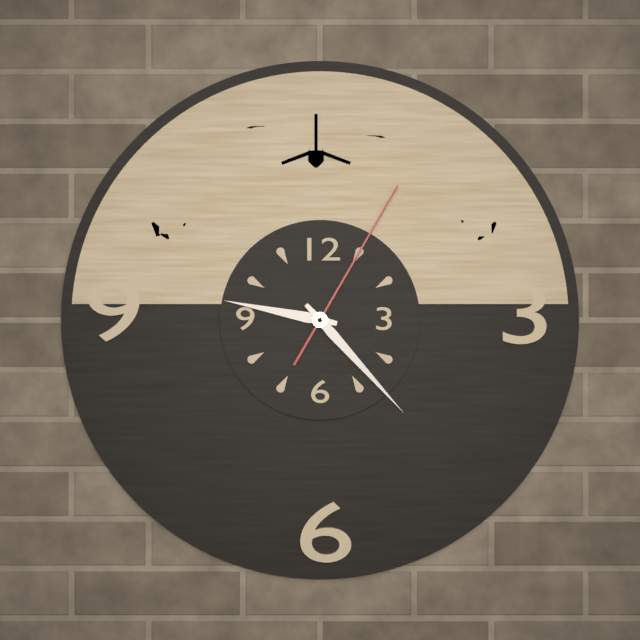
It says 9:23:05
